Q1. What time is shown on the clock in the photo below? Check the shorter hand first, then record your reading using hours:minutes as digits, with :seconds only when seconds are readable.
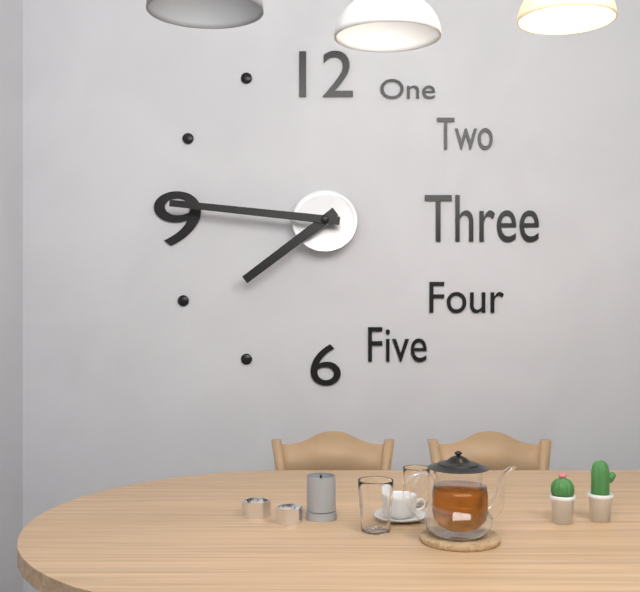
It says 7:46
